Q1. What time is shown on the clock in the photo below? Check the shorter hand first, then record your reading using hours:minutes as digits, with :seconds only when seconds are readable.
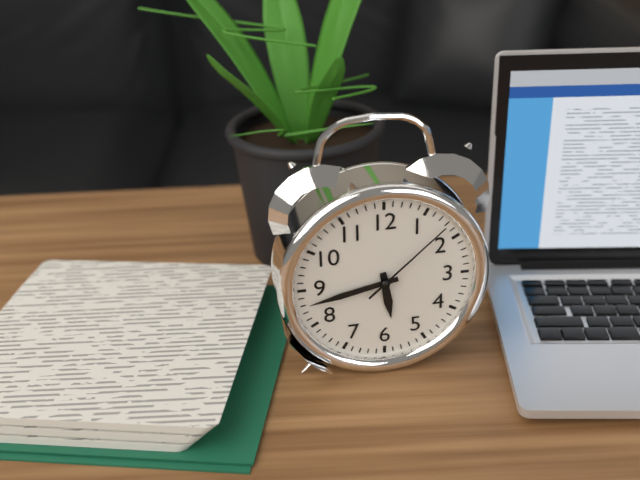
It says 5:43:08
